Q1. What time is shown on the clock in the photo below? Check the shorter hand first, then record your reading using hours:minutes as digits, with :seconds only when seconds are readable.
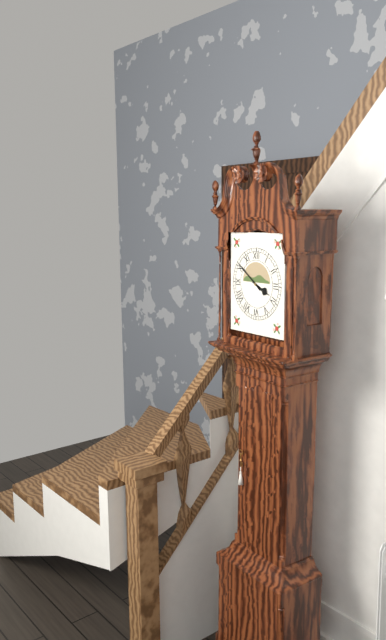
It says 3:51
